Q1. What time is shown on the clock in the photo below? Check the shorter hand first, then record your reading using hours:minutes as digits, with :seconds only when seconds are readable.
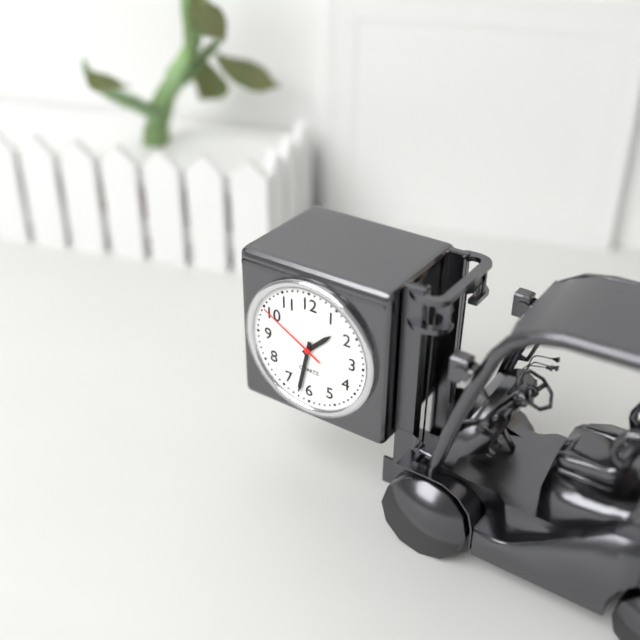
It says 1:32:50
